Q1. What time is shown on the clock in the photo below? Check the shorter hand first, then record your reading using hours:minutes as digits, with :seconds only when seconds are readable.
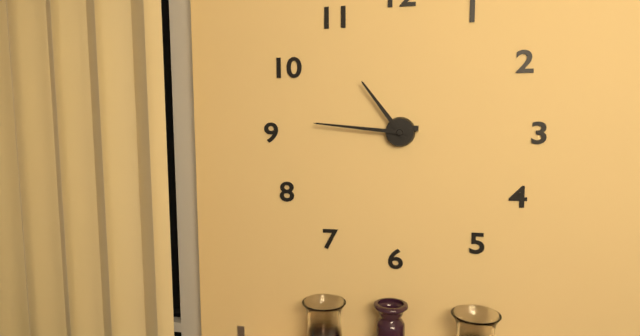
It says 10:46
